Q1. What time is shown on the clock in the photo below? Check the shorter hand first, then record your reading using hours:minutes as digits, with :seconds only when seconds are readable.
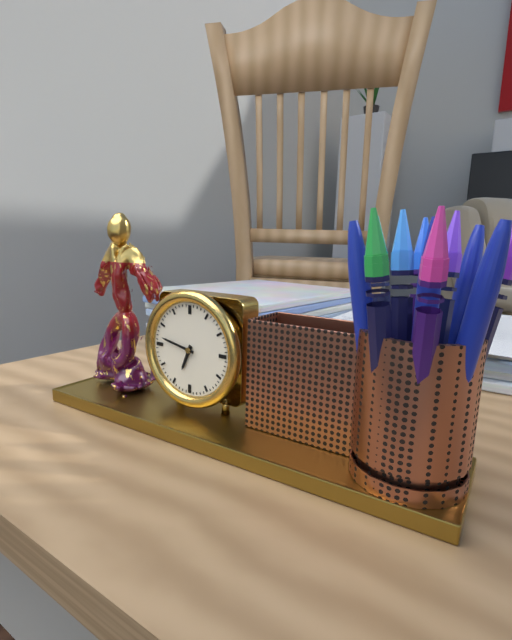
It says 6:47
